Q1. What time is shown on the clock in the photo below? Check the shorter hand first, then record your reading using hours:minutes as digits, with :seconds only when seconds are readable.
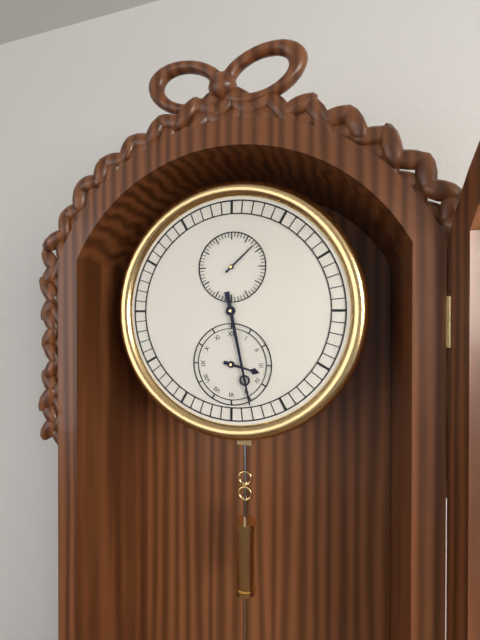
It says 3:28
